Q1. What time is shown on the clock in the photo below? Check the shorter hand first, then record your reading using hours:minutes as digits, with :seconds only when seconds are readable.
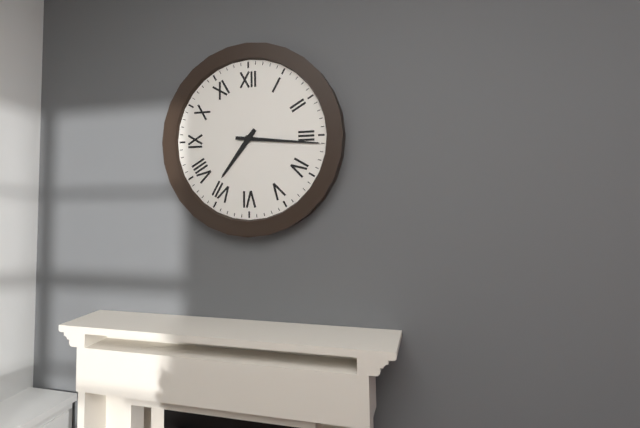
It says 7:16
